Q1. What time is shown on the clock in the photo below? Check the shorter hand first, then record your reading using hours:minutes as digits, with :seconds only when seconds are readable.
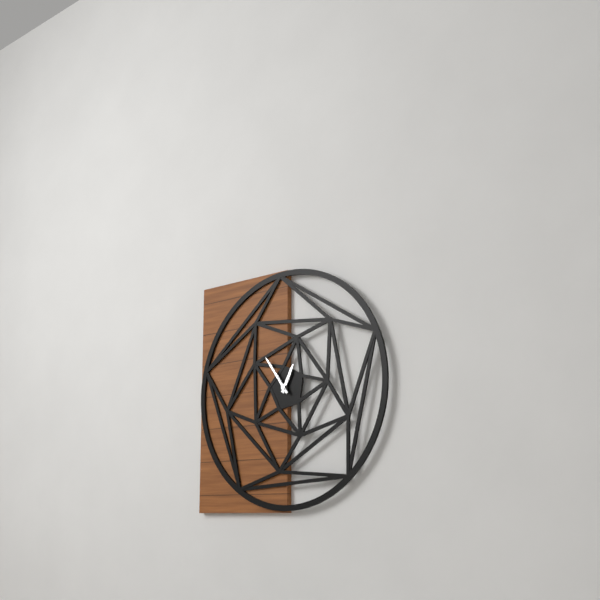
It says 12:54
